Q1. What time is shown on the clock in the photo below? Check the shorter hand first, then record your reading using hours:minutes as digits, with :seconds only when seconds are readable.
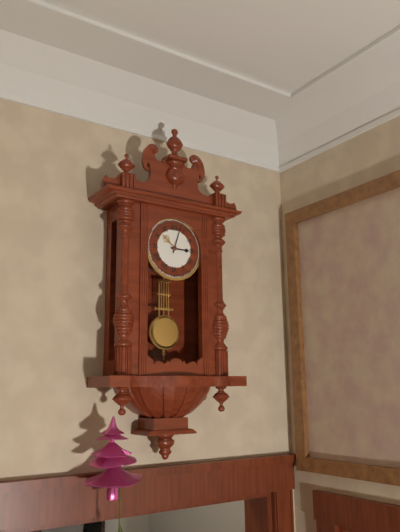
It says 3:03
